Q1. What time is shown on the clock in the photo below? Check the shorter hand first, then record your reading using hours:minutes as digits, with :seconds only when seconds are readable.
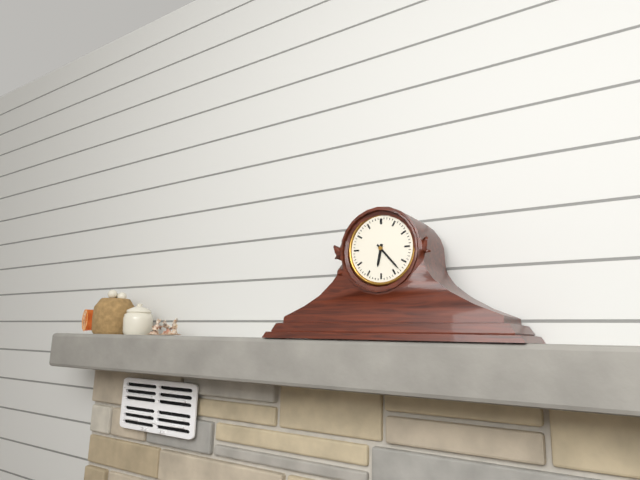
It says 6:23
